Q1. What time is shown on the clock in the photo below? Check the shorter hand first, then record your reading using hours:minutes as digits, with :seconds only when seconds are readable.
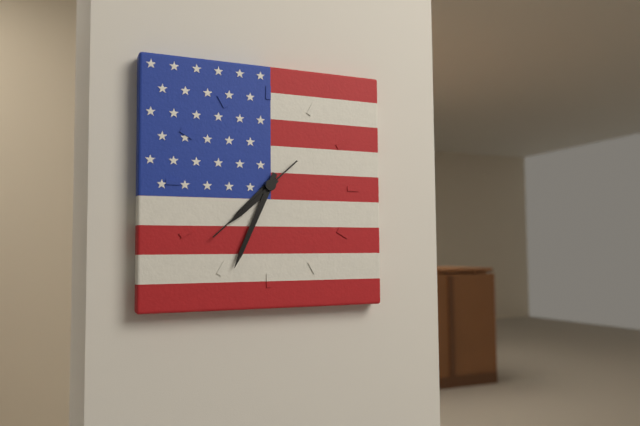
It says 7:34:38
